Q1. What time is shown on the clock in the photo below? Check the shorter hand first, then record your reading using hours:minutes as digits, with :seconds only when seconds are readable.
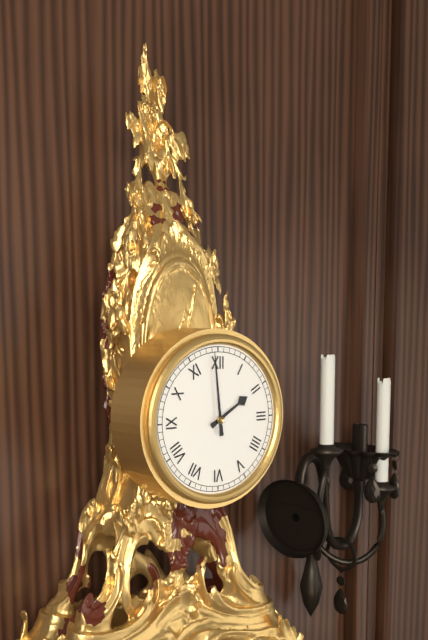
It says 1:59
